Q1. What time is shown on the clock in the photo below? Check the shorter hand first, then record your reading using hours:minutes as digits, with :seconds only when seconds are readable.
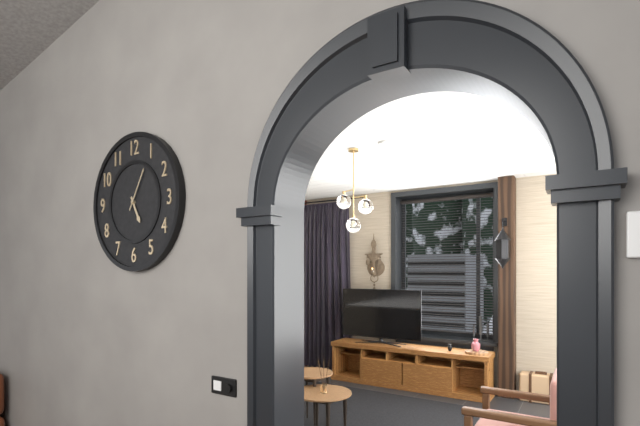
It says 5:05
